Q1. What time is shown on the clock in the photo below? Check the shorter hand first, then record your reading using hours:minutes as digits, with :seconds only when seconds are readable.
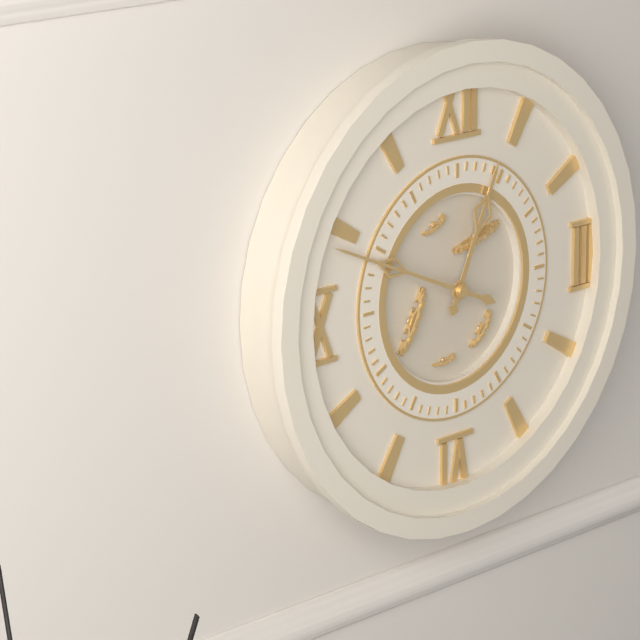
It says 12:49
